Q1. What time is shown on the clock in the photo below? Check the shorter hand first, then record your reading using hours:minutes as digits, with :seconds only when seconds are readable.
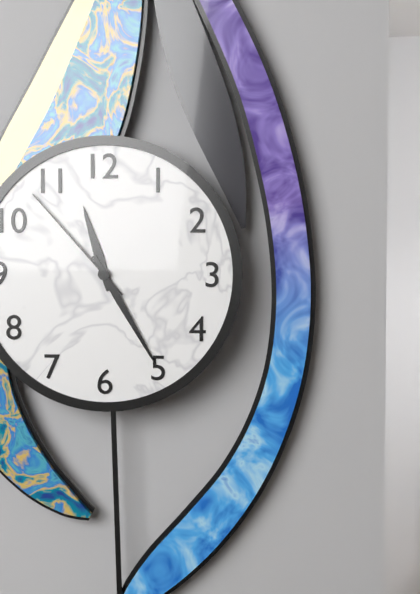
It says 11:25:53
